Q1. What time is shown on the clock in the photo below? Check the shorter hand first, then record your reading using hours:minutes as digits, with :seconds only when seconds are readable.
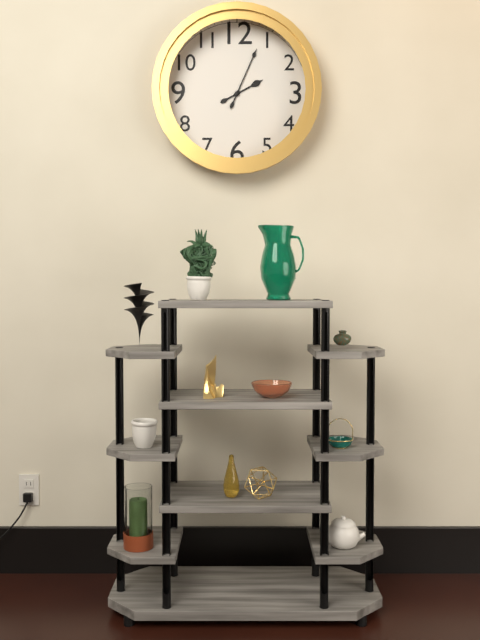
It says 2:04
